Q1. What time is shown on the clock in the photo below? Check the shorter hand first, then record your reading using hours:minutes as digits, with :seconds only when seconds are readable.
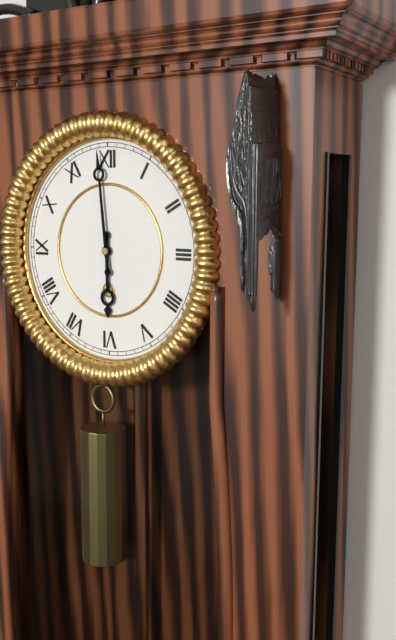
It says 5:59
